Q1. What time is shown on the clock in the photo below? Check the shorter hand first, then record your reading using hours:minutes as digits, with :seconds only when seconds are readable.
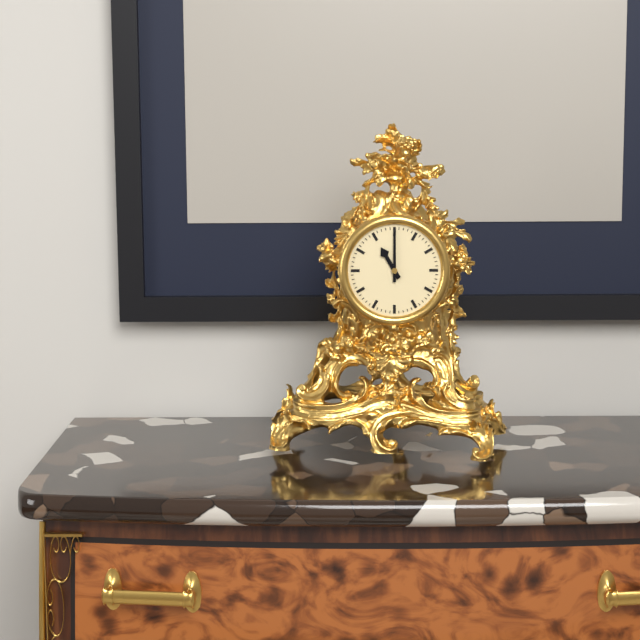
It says 11:00
